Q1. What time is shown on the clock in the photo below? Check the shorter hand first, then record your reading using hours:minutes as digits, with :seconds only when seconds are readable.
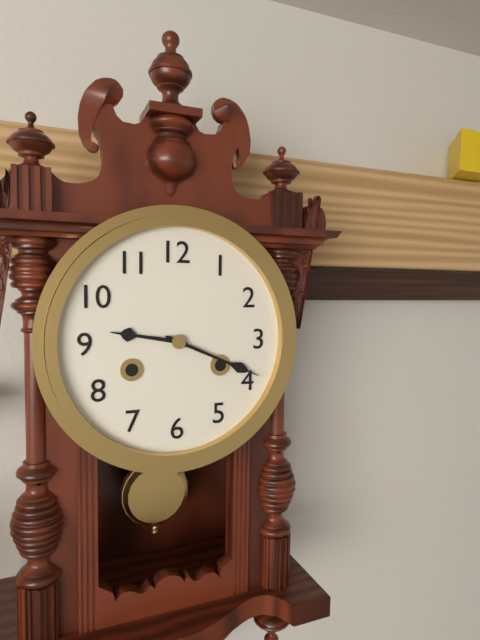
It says 9:19
